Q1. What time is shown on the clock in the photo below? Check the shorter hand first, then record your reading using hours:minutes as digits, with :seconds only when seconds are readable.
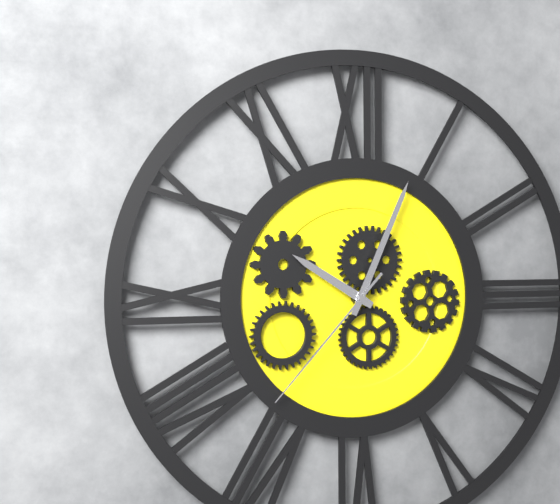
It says 10:04:37
